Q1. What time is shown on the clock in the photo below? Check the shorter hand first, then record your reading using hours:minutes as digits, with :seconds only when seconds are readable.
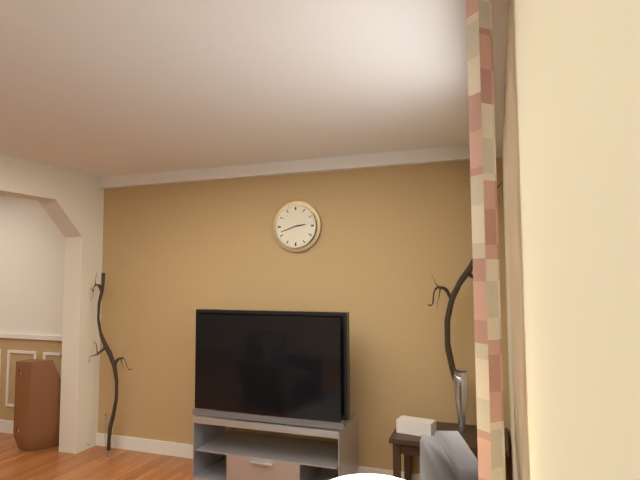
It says 2:42
